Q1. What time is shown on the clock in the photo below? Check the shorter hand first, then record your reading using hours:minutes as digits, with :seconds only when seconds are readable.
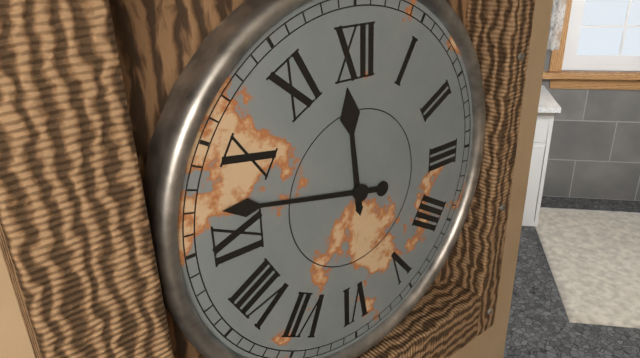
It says 11:47
